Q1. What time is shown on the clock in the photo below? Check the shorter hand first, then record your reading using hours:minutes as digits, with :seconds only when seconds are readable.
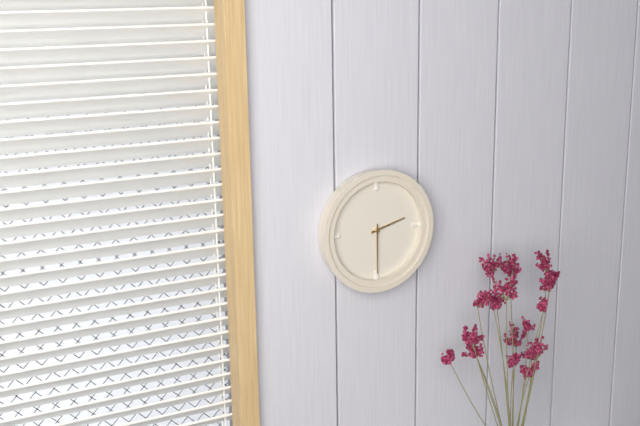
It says 2:30
